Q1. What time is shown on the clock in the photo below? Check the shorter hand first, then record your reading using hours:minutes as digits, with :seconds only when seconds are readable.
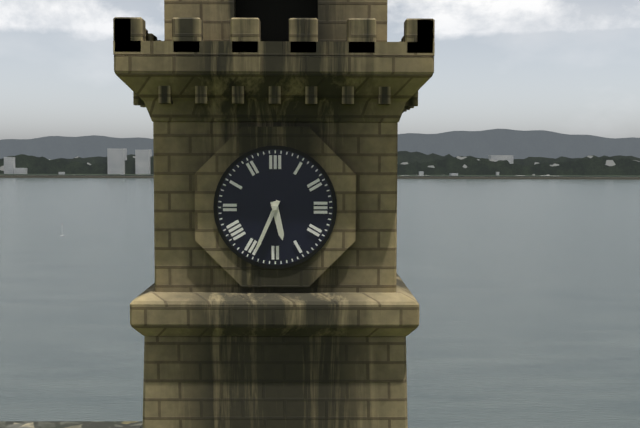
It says 5:34
